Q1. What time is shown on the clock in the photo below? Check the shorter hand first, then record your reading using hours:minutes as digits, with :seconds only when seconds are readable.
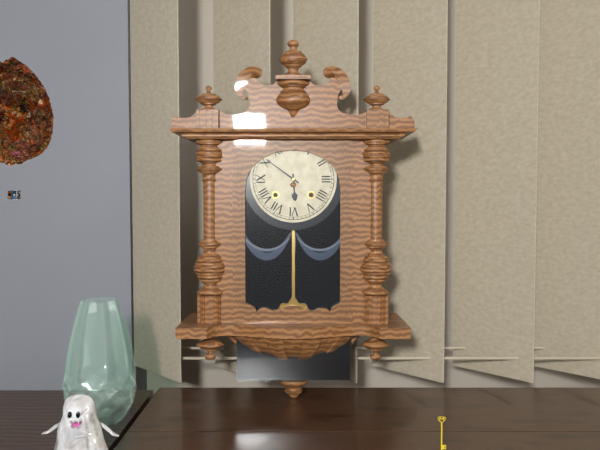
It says 5:51
